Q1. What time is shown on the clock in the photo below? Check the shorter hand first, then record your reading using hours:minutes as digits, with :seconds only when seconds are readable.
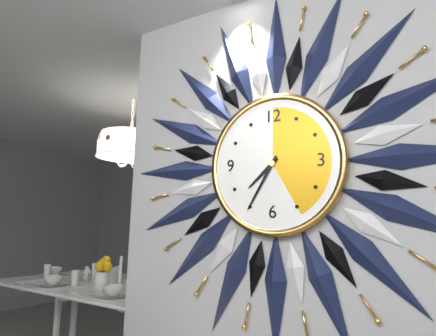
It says 7:35
